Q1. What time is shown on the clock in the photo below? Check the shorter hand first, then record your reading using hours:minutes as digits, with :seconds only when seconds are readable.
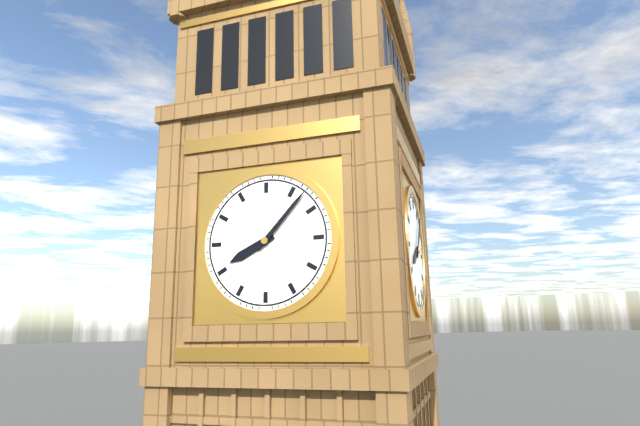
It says 8:07
